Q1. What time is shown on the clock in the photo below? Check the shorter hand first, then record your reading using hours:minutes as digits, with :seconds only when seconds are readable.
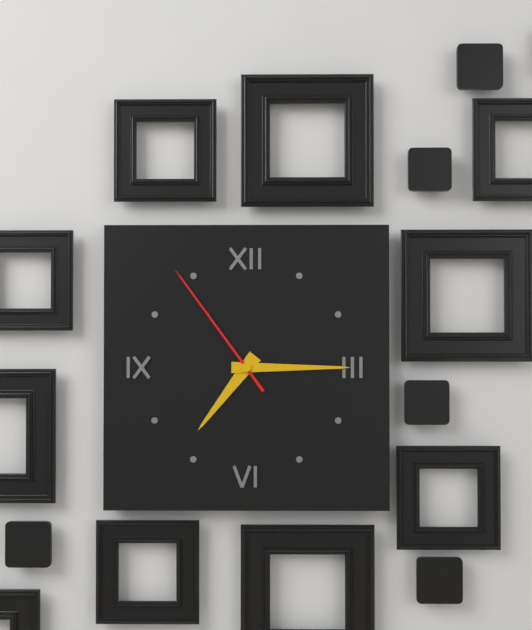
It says 7:15:54
